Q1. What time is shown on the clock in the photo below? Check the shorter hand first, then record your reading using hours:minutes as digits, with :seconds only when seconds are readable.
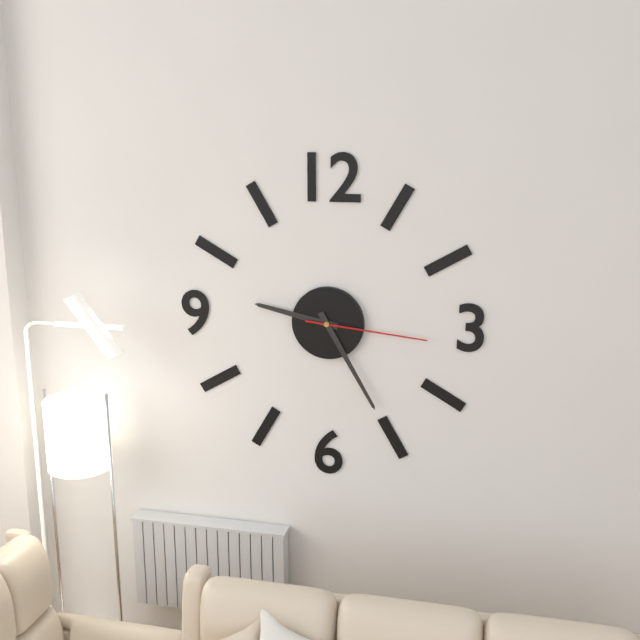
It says 9:25:16
